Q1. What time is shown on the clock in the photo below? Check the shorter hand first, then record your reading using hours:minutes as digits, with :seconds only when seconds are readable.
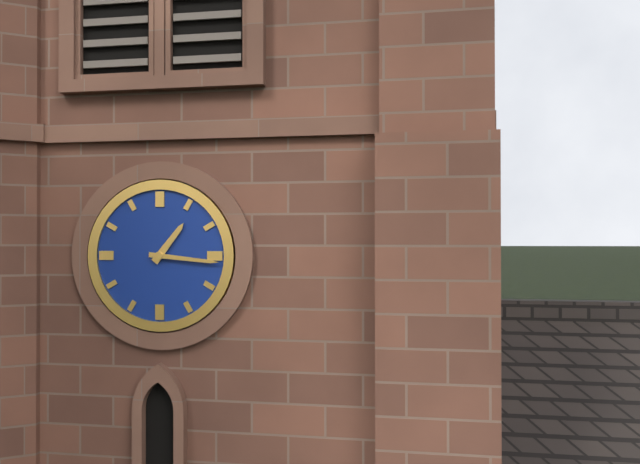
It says 1:16
